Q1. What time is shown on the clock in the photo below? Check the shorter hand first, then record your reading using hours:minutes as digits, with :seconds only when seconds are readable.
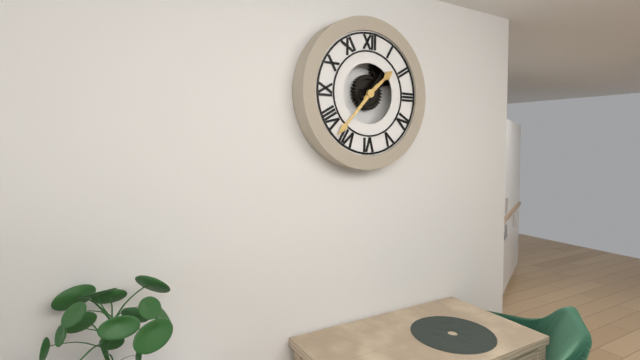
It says 1:37
